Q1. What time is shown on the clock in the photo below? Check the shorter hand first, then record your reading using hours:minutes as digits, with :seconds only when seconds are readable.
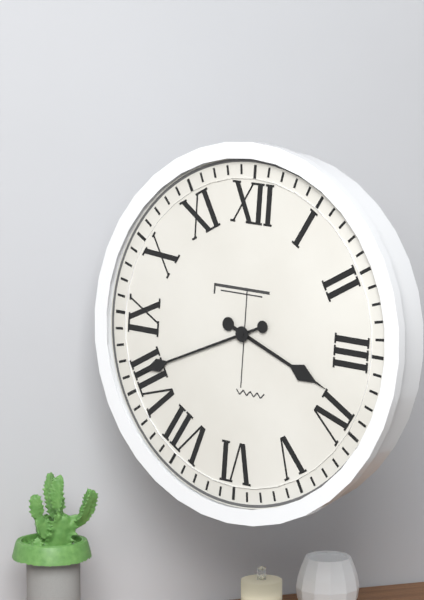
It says 3:41
